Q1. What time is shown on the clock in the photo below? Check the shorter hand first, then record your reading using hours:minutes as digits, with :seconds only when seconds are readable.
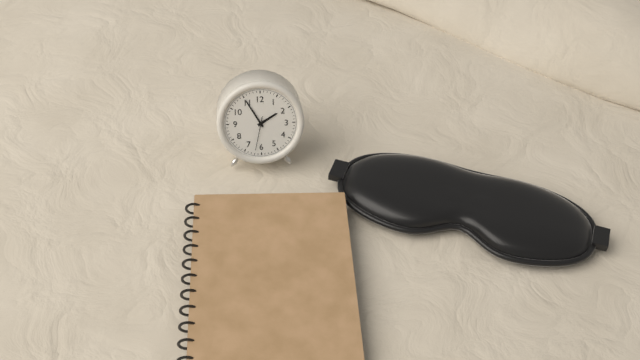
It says 1:55
